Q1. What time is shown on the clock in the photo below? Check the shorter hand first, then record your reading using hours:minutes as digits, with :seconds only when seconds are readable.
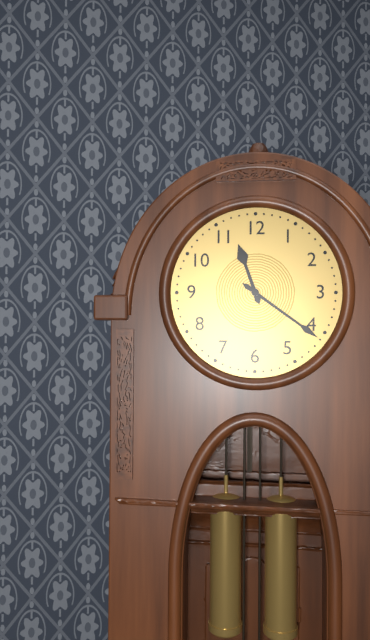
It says 11:21
